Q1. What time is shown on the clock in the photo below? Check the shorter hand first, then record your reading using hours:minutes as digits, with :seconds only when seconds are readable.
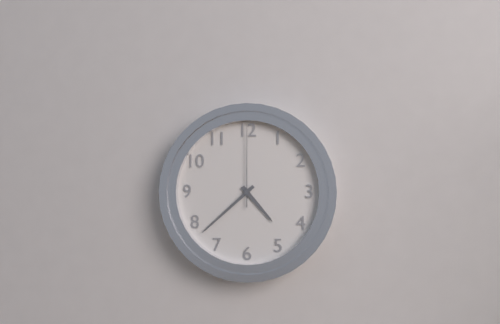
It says 4:38:00
